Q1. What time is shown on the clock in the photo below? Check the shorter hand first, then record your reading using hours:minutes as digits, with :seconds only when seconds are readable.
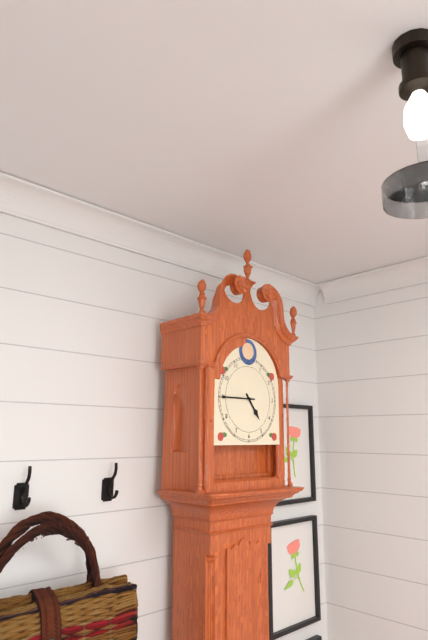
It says 4:45
